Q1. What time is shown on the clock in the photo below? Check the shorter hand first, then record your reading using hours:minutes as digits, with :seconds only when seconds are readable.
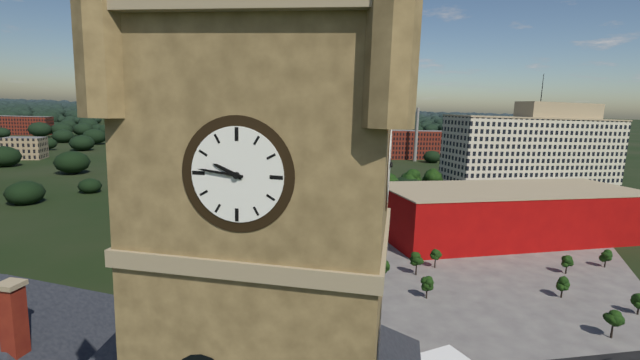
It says 9:46
